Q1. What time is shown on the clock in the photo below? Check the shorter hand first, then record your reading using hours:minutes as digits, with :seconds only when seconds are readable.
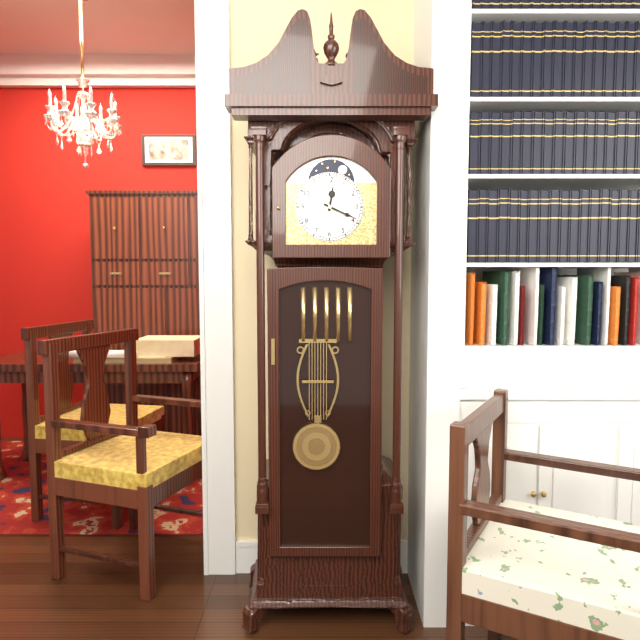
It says 12:19
